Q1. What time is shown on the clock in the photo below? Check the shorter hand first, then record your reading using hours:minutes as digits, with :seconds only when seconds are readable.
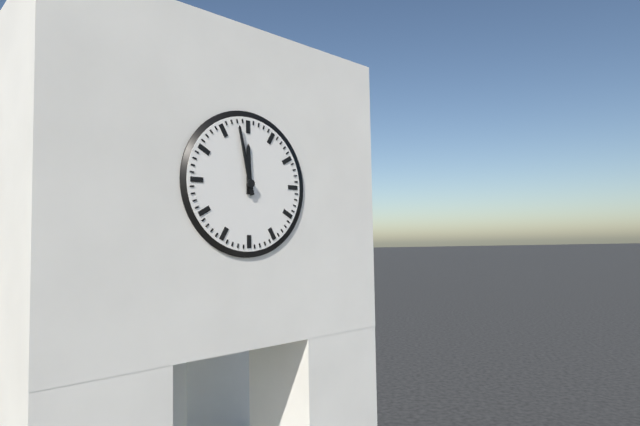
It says 11:58
